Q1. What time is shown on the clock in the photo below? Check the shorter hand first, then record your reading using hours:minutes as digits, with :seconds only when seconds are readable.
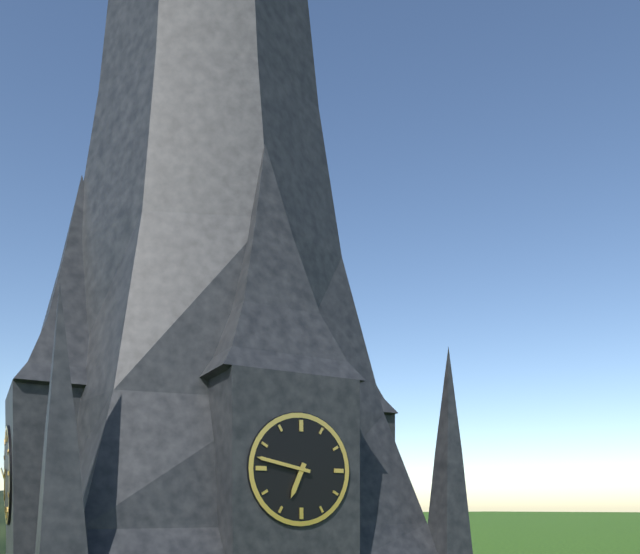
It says 6:47
